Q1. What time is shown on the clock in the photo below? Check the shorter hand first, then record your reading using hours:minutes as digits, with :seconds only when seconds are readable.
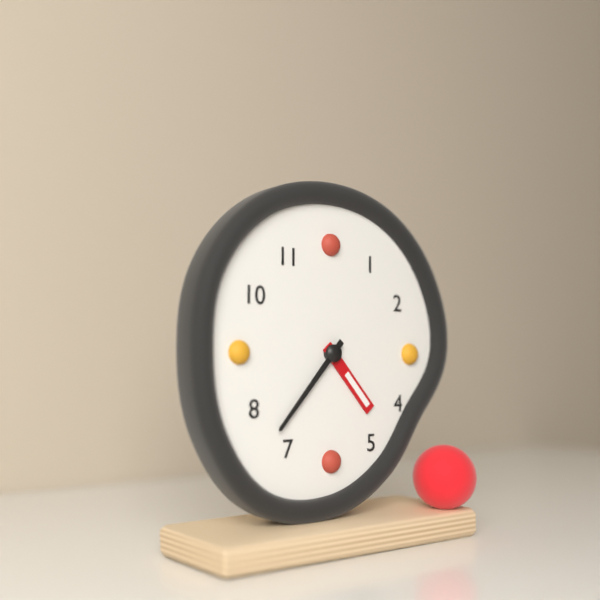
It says 4:37
